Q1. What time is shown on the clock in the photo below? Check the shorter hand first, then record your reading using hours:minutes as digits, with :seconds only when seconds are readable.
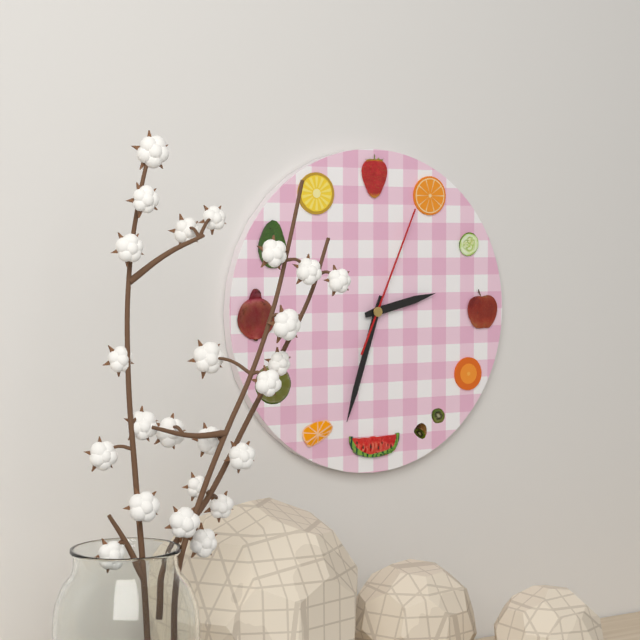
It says 2:33:04
